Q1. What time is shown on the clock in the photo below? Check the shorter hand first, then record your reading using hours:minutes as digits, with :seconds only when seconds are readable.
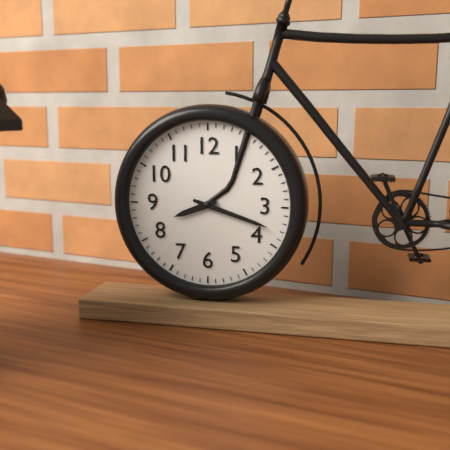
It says 8:18
